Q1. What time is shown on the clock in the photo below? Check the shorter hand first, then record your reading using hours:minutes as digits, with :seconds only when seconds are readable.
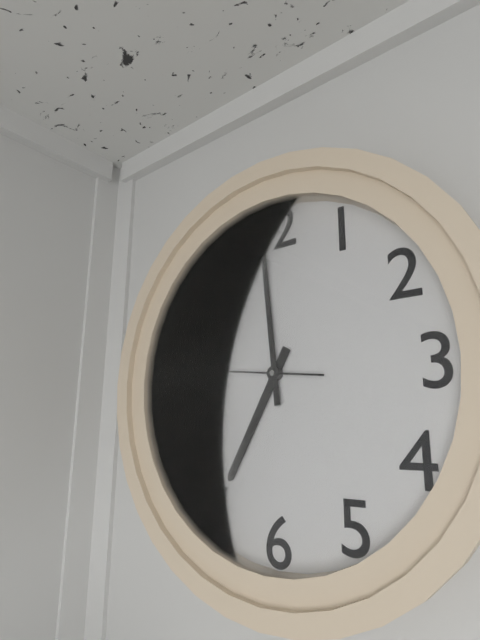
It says 6:59:46
